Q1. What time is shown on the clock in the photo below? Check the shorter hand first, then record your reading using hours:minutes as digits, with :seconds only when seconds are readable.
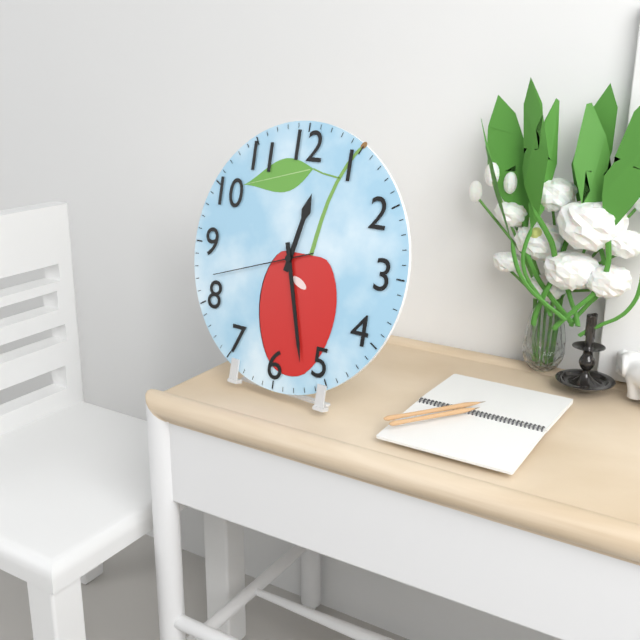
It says 12:27:42
